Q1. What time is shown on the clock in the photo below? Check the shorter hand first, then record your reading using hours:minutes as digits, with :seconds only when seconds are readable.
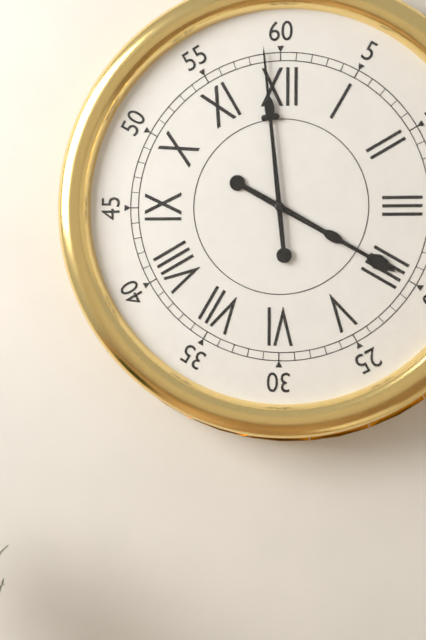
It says 3:59
